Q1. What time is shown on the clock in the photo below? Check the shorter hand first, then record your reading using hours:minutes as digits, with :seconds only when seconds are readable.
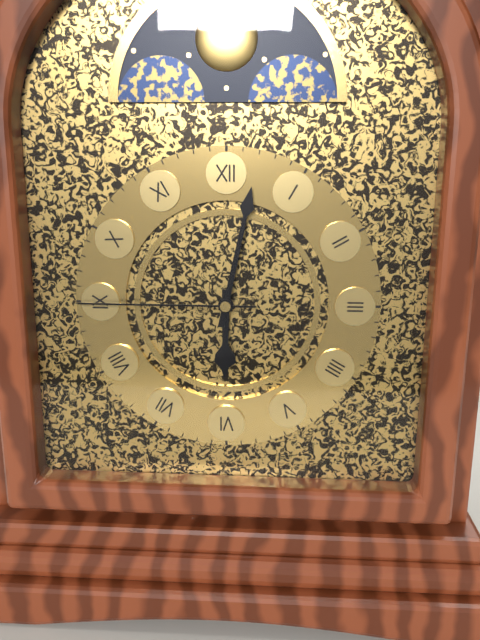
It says 6:02:45
